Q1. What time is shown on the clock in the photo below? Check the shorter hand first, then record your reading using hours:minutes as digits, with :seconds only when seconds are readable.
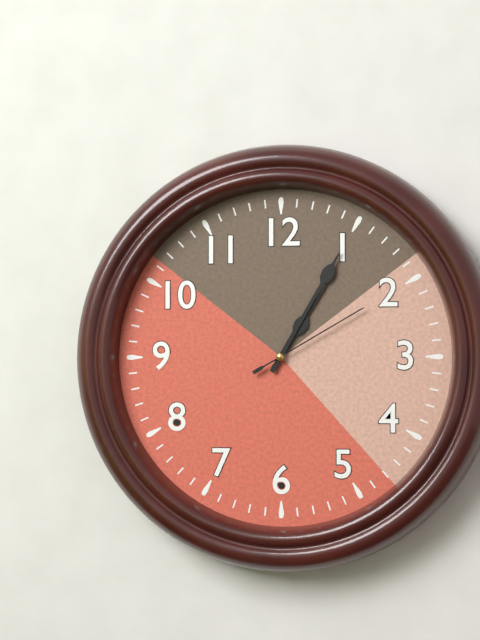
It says 1:05:10
